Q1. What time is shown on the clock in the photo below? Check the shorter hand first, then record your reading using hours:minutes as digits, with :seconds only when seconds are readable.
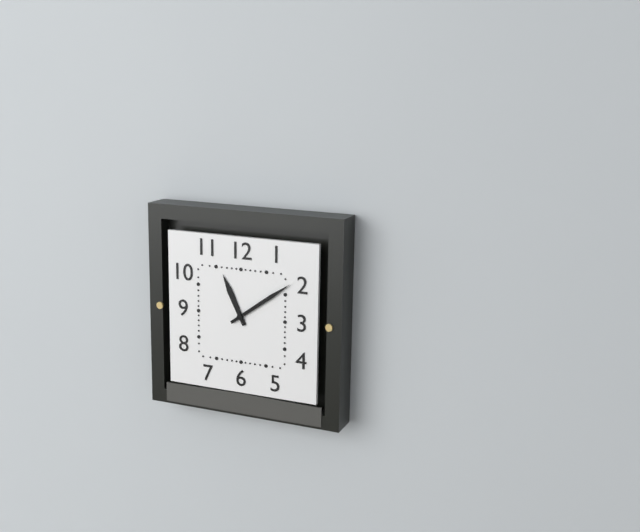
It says 11:09
